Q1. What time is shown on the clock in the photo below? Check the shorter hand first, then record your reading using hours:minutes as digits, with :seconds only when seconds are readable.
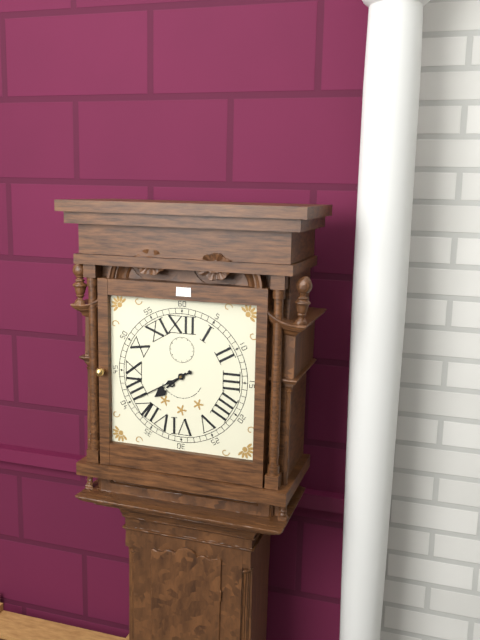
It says 7:40
